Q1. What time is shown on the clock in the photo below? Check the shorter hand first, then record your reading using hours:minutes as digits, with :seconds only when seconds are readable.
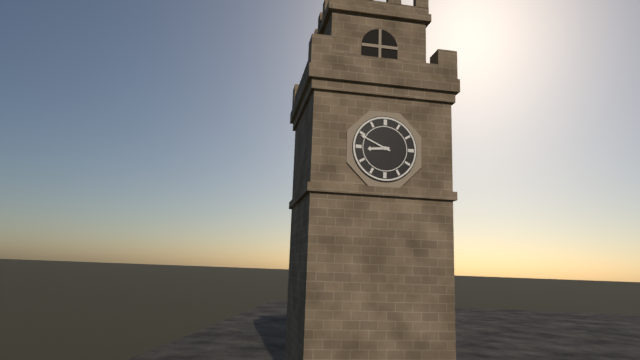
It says 8:49
